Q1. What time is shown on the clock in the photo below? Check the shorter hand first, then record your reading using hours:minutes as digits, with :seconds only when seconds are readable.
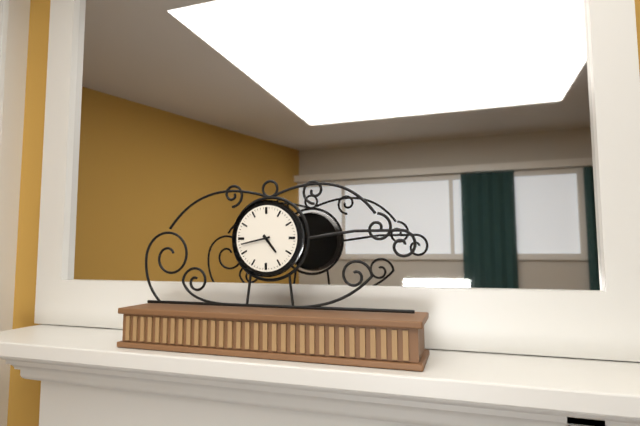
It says 4:43
